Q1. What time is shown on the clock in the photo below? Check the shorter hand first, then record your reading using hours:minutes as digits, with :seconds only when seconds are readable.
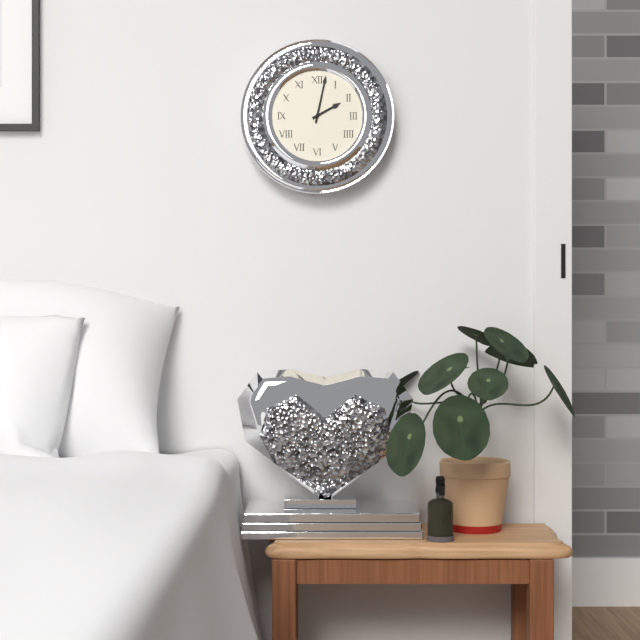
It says 2:02
